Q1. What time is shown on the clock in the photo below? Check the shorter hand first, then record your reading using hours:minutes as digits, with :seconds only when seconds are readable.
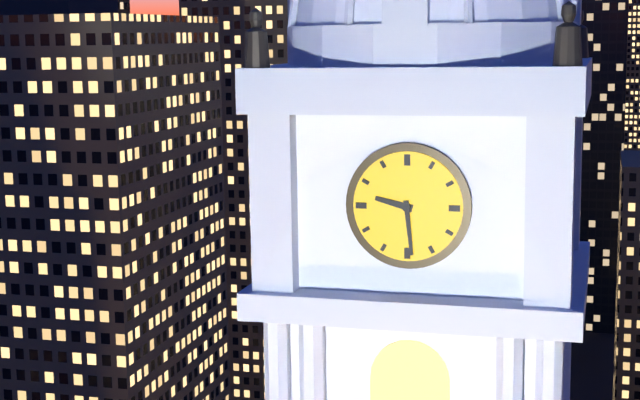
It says 9:29
